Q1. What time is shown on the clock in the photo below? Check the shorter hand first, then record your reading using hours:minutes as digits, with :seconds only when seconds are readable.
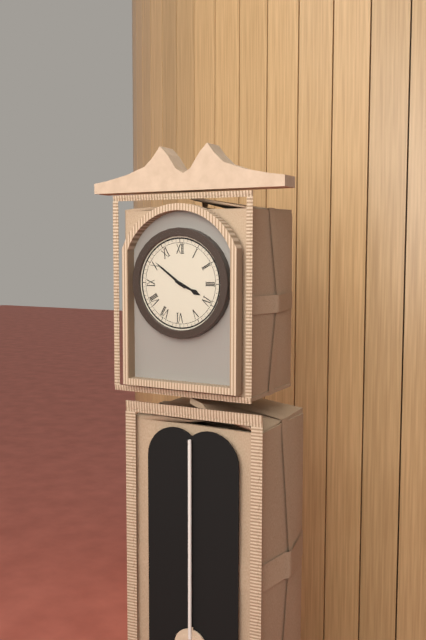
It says 3:51
